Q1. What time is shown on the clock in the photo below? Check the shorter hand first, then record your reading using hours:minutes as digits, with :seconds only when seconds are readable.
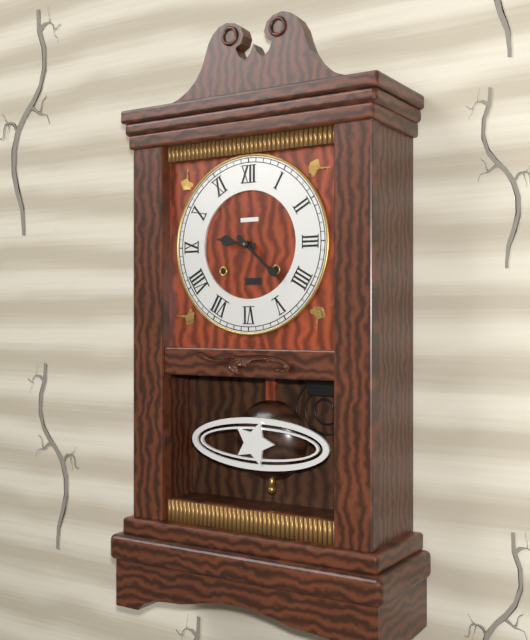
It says 9:22
